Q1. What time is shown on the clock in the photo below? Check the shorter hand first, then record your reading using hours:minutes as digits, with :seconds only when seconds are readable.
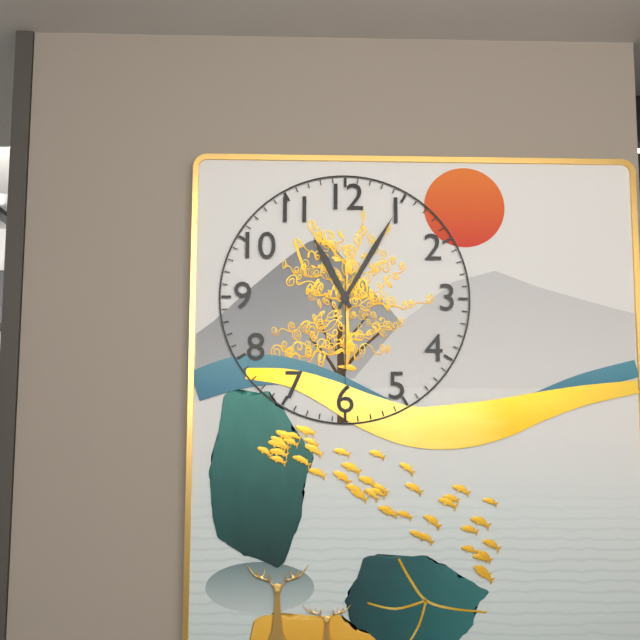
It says 11:05:30
